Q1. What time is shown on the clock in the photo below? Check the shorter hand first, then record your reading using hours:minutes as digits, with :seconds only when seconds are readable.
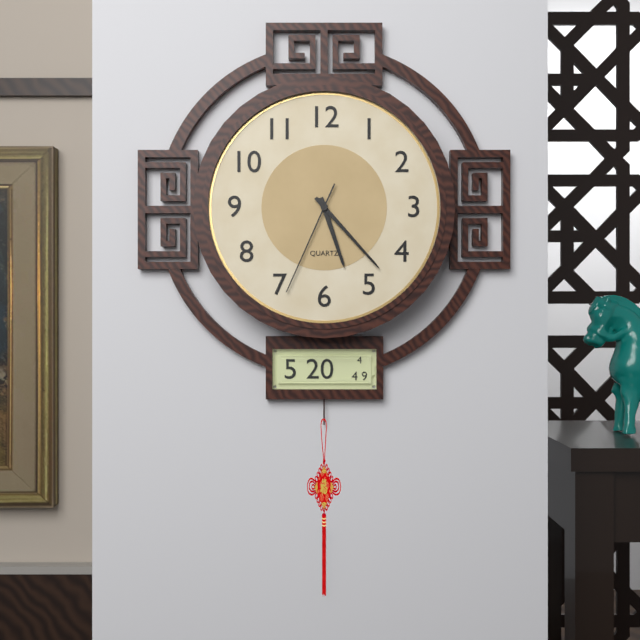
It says 5:23:34
